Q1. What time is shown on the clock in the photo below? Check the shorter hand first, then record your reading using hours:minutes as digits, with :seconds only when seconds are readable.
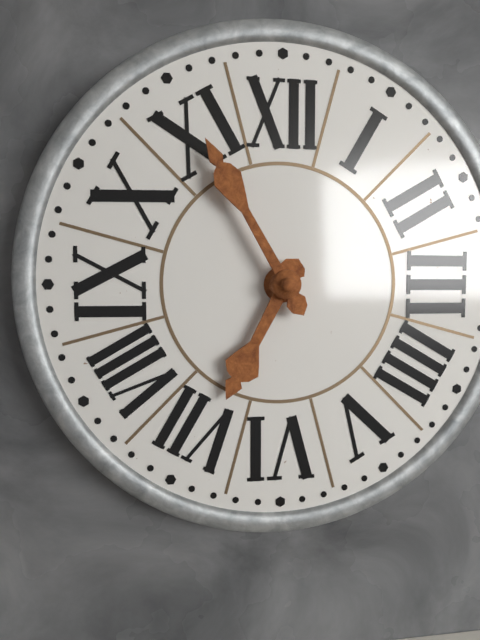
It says 6:55
